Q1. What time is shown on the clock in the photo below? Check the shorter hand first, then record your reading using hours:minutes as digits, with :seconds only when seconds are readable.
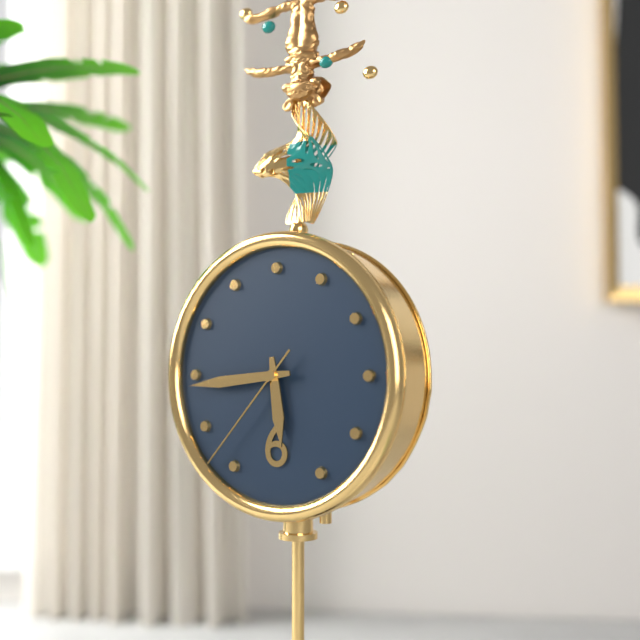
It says 5:44:37
